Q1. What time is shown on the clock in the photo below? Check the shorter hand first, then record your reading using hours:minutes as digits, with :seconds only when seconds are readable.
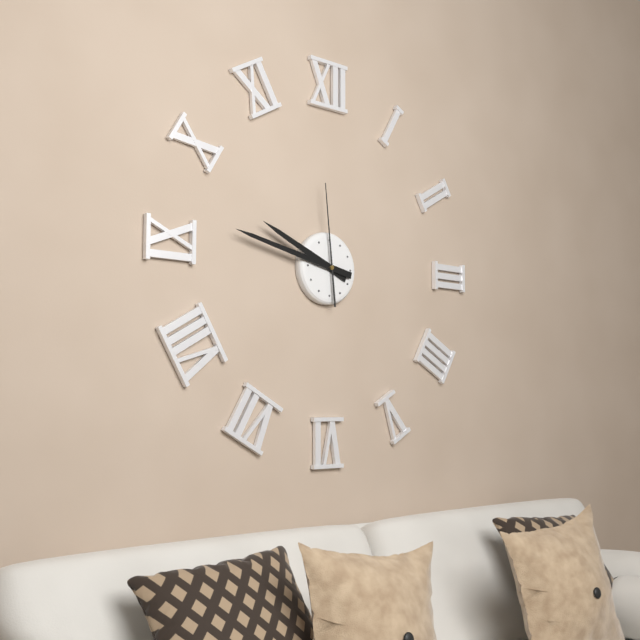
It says 9:47:59
